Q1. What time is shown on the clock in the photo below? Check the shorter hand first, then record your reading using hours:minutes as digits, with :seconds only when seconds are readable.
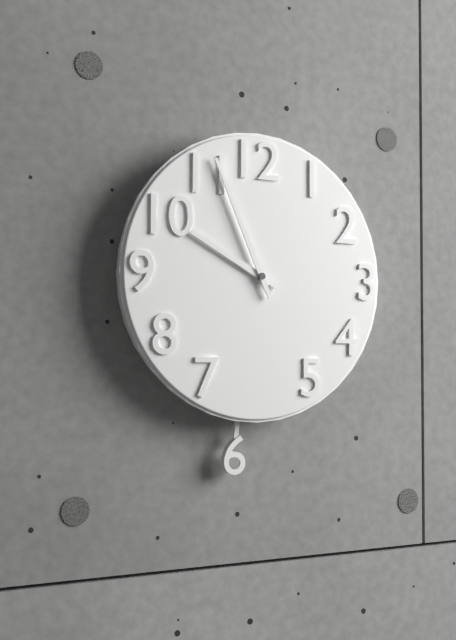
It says 9:56
